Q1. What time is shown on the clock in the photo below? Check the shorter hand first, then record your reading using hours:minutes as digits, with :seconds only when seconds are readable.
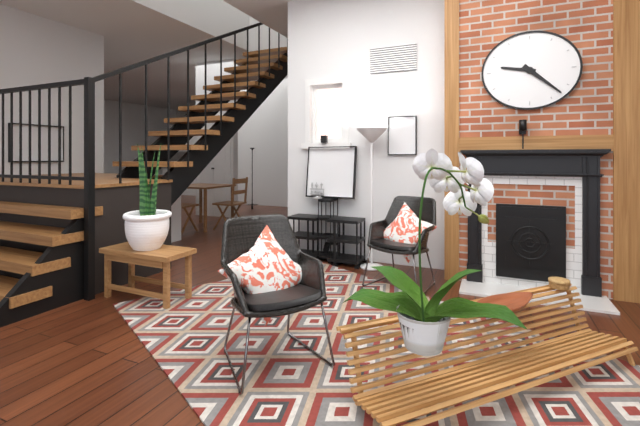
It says 9:22
